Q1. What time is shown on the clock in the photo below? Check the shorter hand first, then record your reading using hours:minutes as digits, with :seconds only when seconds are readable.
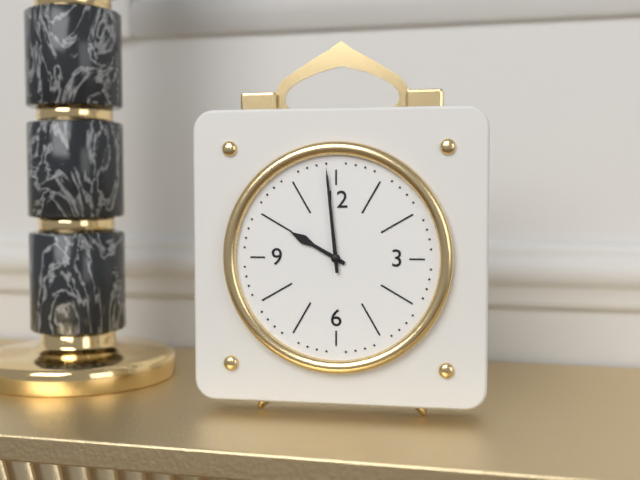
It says 9:59
